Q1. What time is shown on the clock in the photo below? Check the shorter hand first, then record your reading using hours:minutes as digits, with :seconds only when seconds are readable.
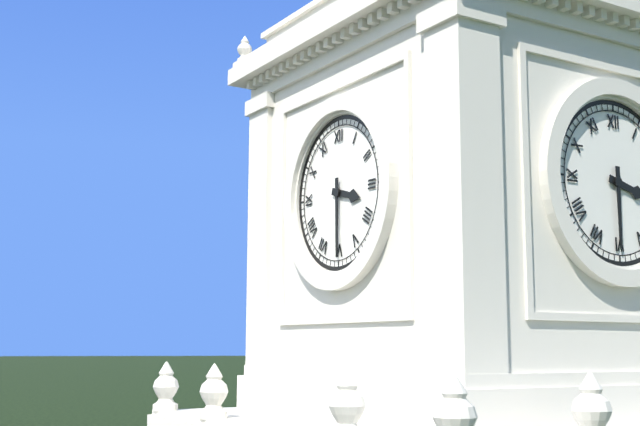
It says 3:30
